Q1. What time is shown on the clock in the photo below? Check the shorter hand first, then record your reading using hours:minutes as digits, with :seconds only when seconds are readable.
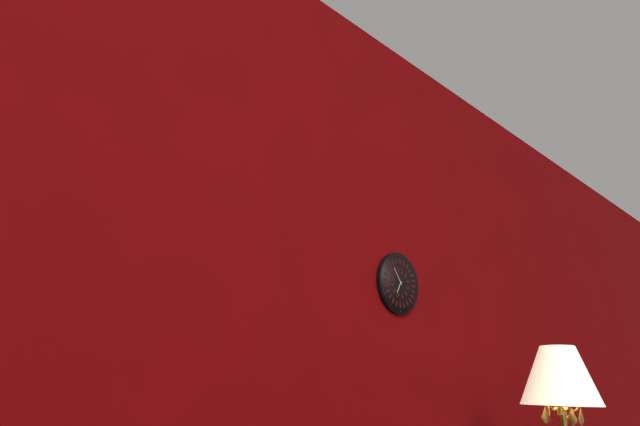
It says 6:54
